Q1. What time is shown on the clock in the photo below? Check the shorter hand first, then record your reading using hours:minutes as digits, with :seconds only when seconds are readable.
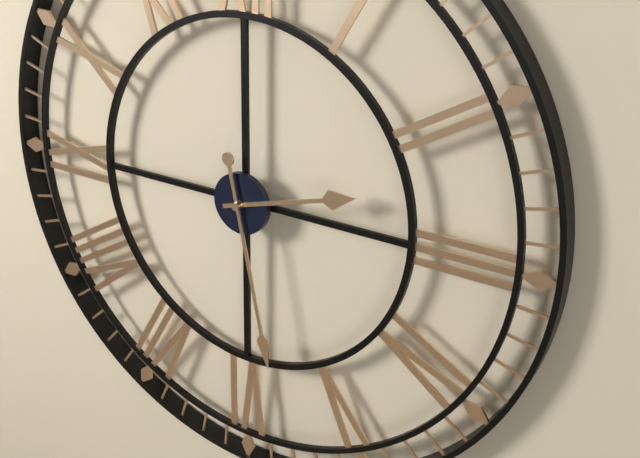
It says 2:28
